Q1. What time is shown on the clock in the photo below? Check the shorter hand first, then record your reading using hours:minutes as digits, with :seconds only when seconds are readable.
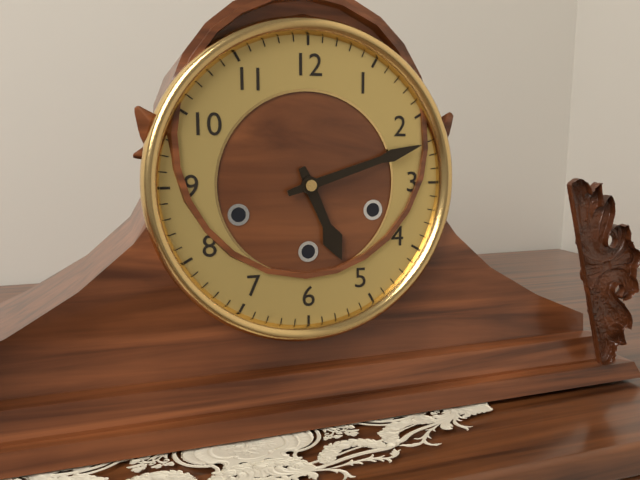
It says 5:12
